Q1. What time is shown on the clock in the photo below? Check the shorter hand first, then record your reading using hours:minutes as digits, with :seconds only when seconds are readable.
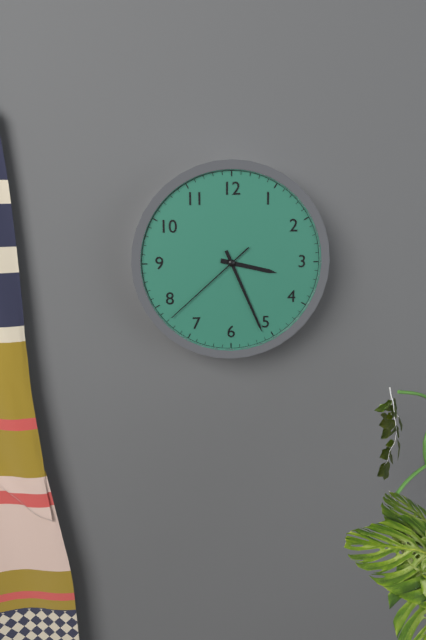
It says 3:26:38
